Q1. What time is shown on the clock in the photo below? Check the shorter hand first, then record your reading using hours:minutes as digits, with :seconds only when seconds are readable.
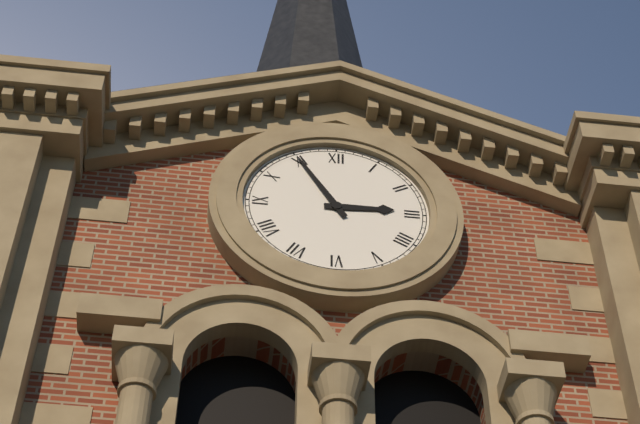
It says 2:55
